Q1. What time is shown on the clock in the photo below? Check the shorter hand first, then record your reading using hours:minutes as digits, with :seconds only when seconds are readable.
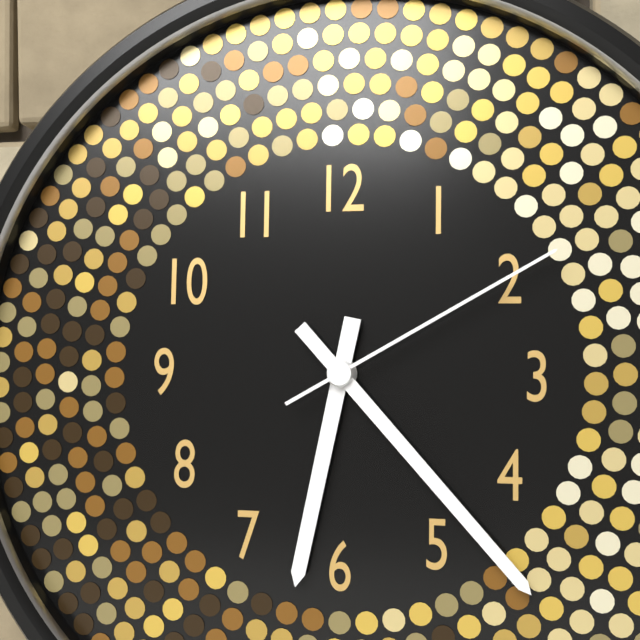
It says 6:23:10
